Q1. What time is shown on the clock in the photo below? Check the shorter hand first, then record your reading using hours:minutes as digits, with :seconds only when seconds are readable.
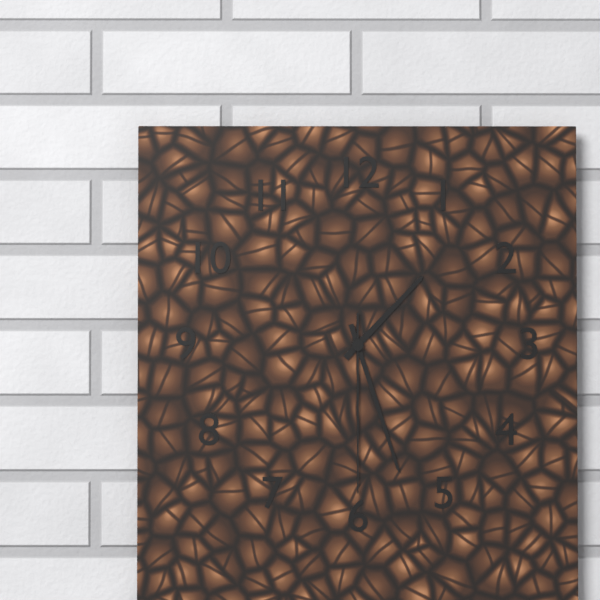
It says 1:27:30
